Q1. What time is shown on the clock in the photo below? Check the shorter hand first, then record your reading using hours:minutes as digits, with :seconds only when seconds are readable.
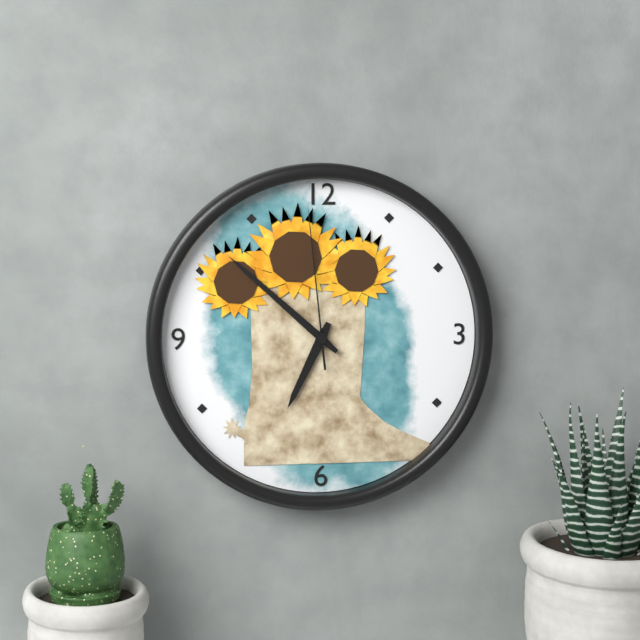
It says 6:52:59
